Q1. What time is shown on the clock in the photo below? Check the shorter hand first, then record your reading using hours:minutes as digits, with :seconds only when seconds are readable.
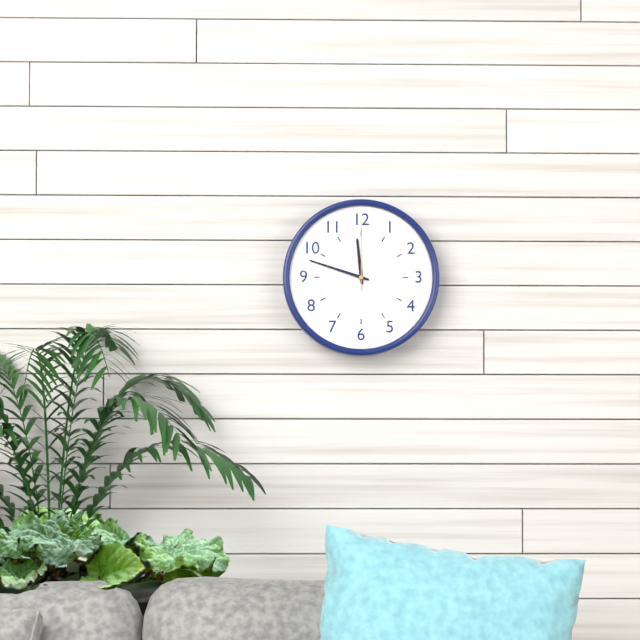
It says 11:48:00
